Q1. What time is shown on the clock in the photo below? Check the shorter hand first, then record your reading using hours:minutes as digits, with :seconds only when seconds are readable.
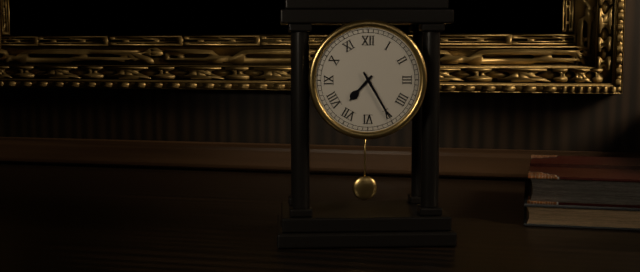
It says 7:25
